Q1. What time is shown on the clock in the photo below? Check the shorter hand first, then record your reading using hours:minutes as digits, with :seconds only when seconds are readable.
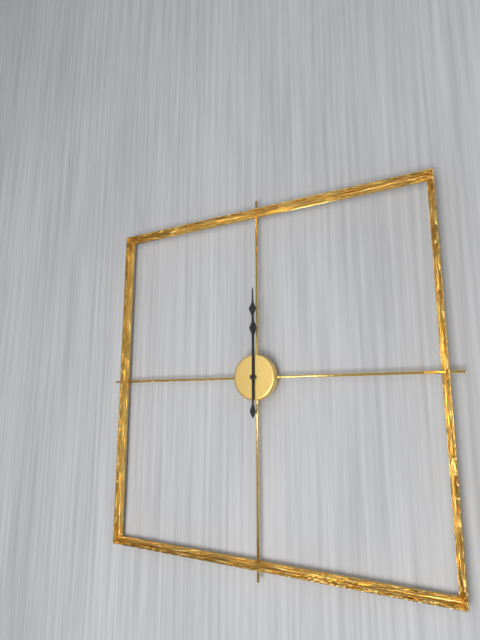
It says 12:00
